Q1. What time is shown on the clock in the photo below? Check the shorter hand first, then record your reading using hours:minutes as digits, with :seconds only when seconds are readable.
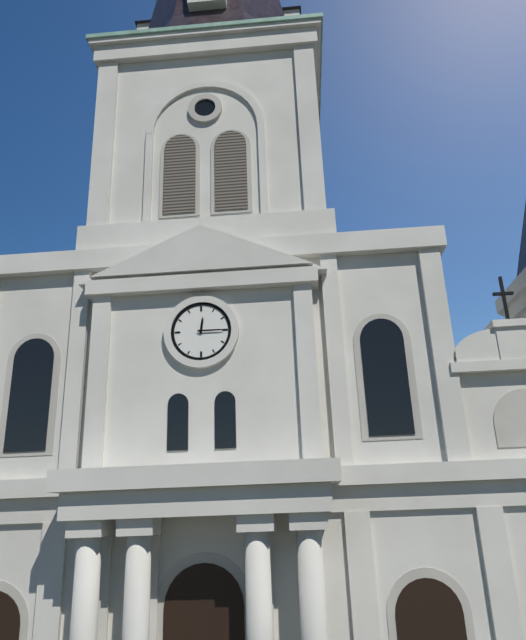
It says 12:15
